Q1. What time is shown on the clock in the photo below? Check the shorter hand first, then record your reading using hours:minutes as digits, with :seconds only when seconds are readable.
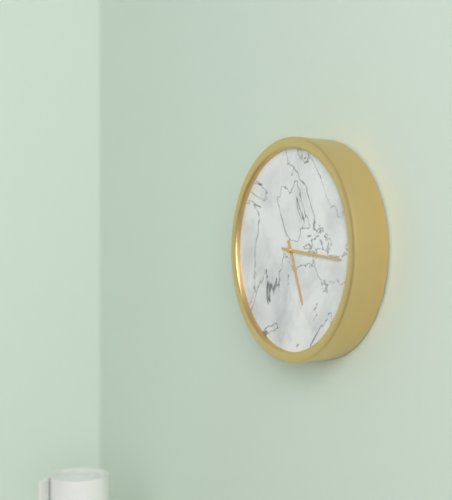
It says 5:16
